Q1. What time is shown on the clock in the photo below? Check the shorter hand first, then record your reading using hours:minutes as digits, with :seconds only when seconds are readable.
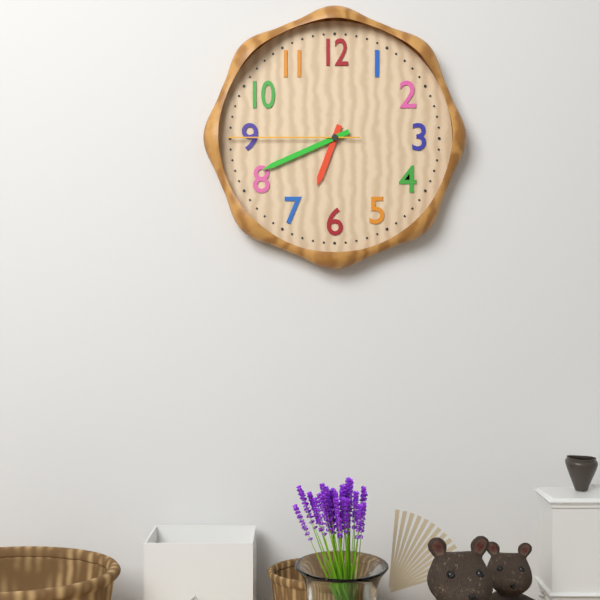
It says 6:41:45
